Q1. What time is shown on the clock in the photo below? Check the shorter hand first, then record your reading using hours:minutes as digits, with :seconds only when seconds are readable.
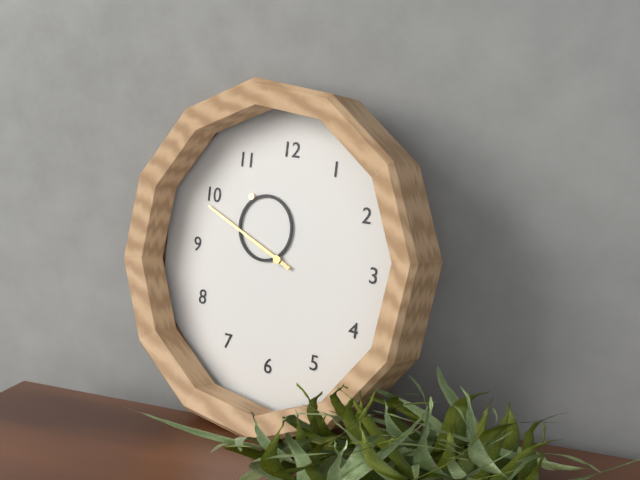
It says 10:49
